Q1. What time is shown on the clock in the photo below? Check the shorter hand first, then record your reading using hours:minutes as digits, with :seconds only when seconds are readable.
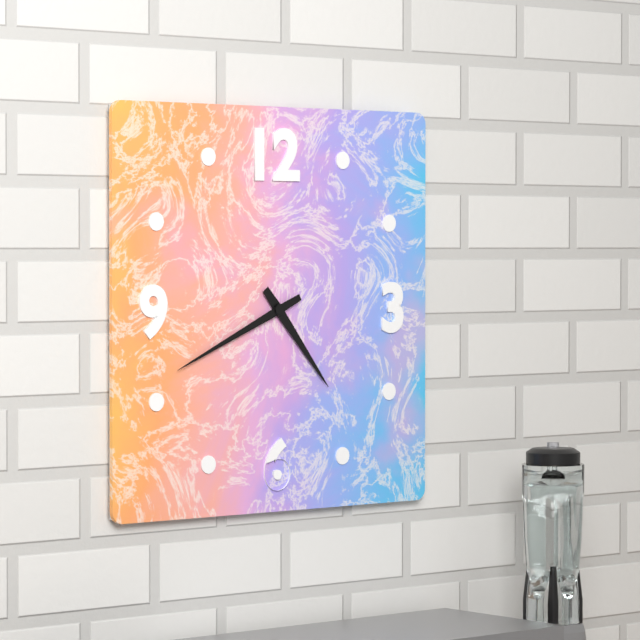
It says 4:41
